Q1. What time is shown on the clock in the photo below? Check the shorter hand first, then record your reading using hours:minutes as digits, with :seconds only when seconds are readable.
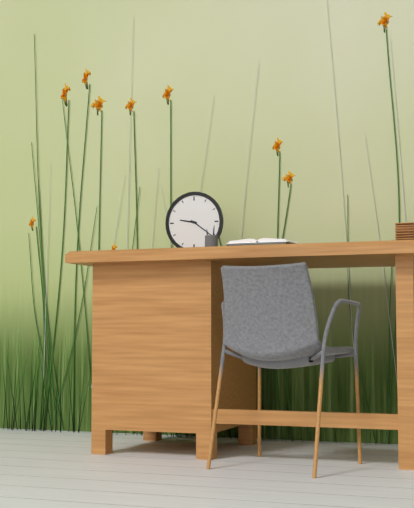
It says 9:21
